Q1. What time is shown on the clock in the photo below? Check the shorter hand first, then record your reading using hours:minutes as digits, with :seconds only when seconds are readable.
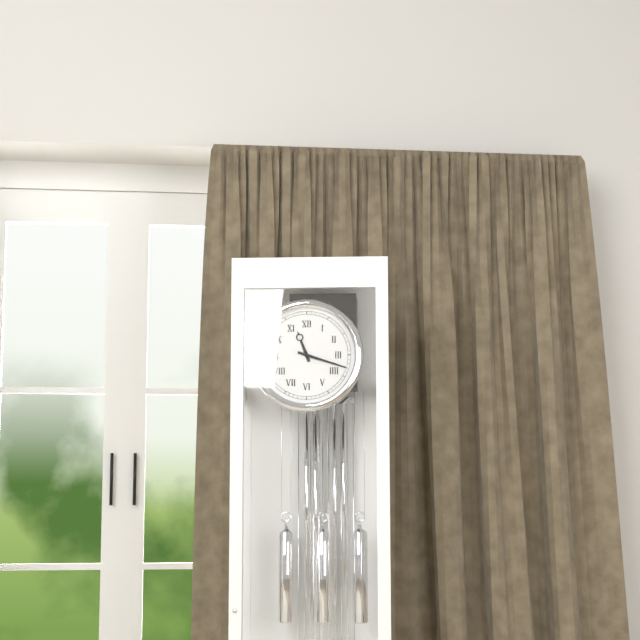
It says 11:18
